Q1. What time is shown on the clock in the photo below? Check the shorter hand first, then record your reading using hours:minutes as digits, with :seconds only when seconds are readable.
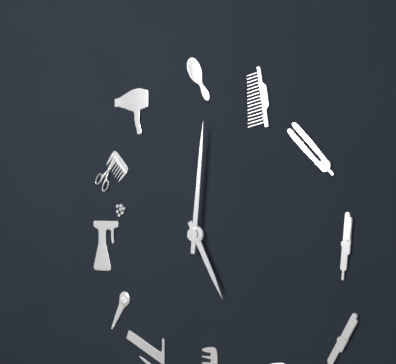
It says 5:01
